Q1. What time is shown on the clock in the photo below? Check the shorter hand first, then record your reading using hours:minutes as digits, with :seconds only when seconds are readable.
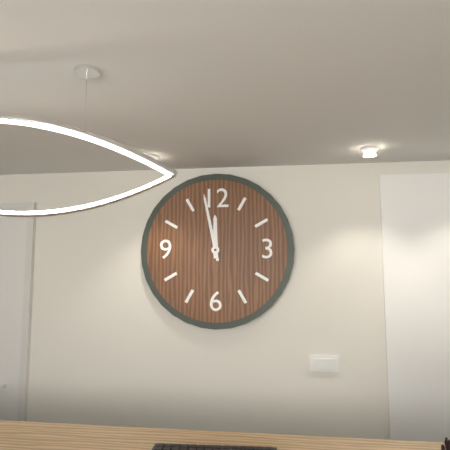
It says 11:58
